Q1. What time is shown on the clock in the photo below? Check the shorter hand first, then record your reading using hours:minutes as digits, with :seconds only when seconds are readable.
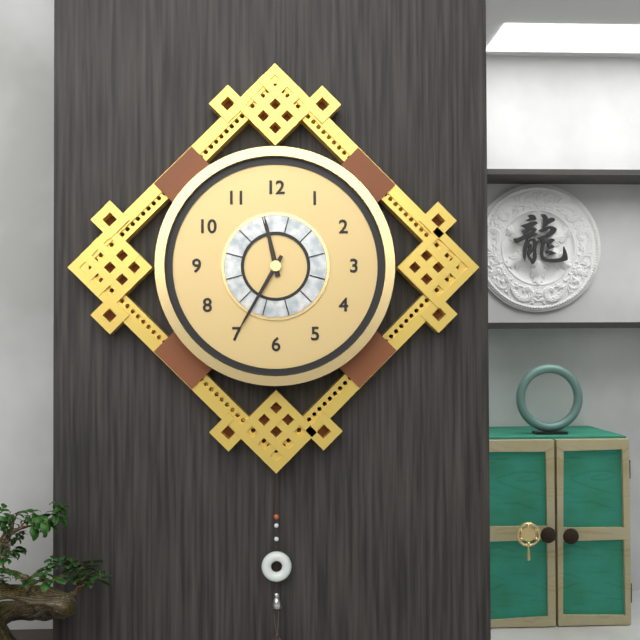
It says 11:35
